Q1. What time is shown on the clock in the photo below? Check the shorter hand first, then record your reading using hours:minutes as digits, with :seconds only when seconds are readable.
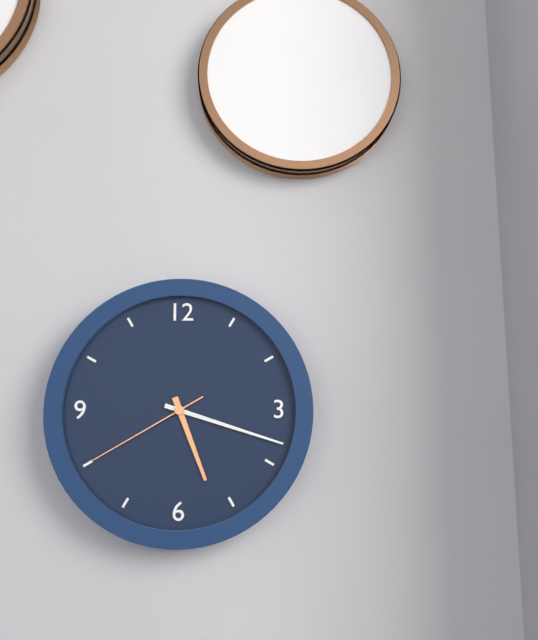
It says 5:18:40
